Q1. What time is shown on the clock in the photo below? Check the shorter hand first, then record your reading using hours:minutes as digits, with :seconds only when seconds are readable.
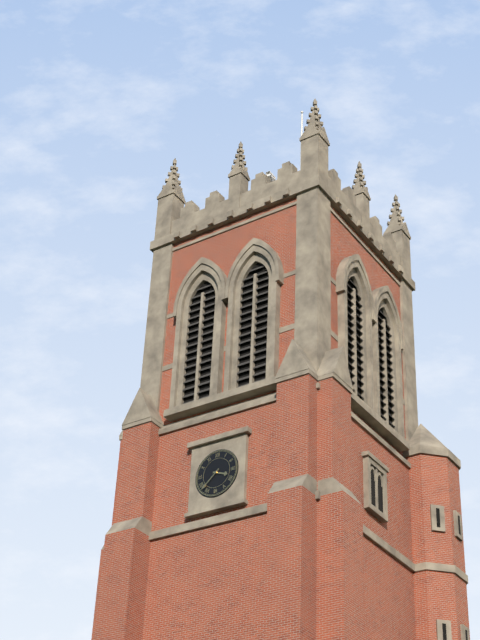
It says 3:38
